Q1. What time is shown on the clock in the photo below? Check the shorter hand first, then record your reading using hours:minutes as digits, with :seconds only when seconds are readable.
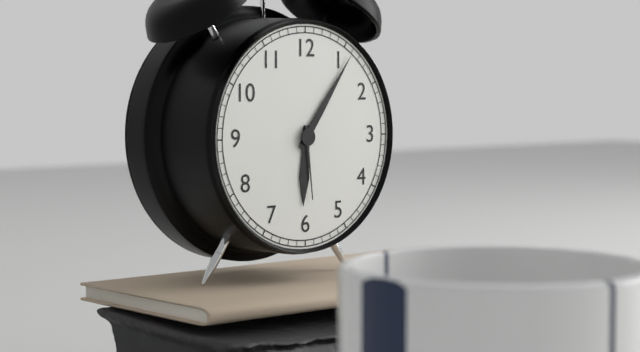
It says 6:06:29
